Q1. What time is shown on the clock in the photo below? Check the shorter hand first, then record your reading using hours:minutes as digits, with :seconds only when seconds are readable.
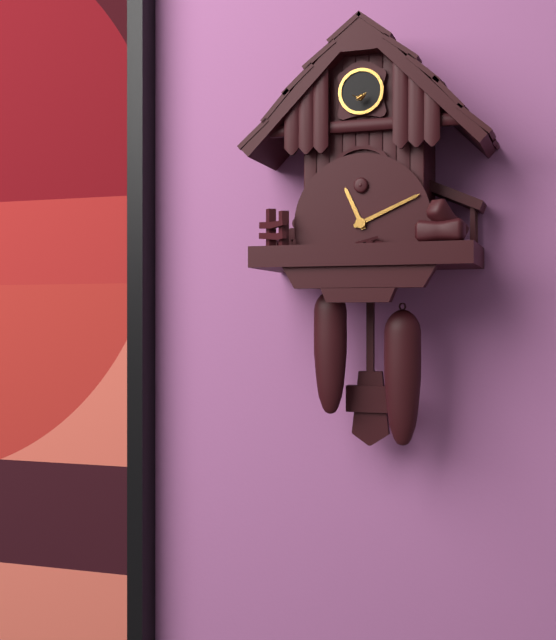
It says 11:11
